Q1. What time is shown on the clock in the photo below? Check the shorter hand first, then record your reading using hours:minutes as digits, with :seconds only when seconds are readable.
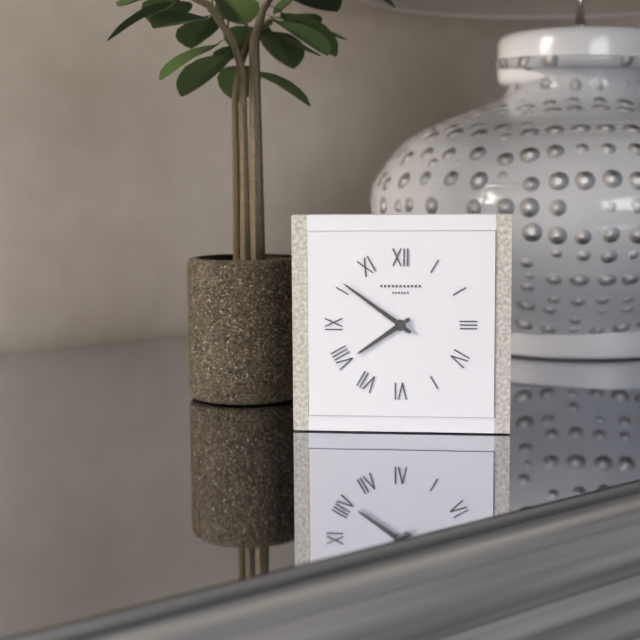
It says 7:51
